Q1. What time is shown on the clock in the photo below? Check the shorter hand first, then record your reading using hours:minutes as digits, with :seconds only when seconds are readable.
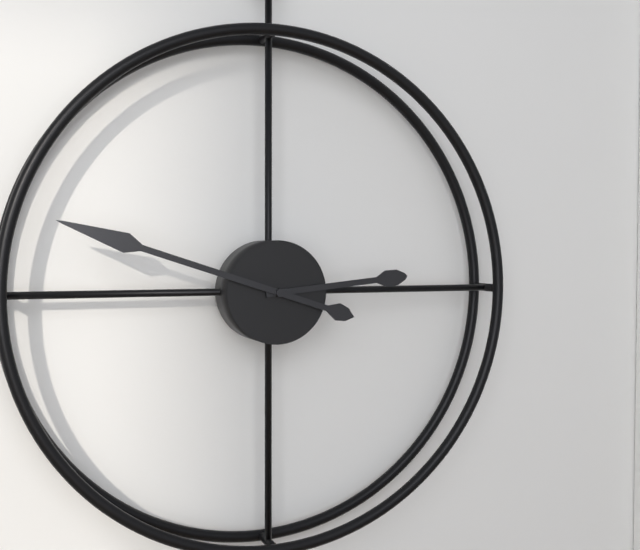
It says 2:48
